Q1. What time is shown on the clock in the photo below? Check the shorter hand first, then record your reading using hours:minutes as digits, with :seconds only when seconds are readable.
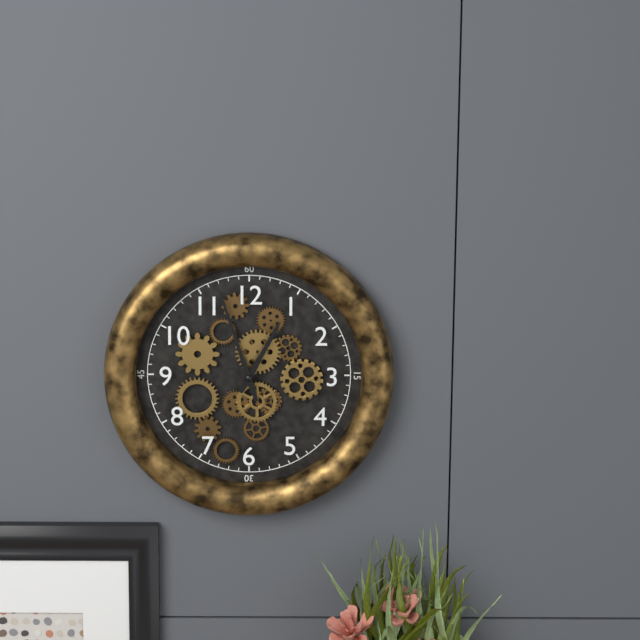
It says 12:57
